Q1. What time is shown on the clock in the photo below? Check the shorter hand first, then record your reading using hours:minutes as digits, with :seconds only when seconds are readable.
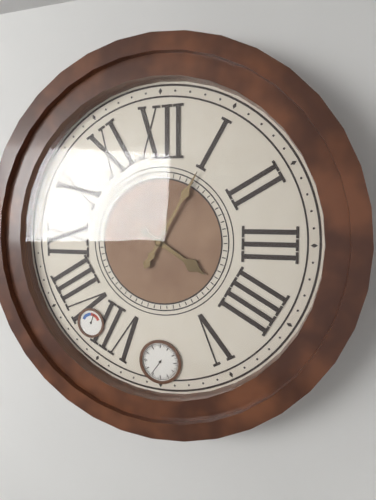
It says 4:05
